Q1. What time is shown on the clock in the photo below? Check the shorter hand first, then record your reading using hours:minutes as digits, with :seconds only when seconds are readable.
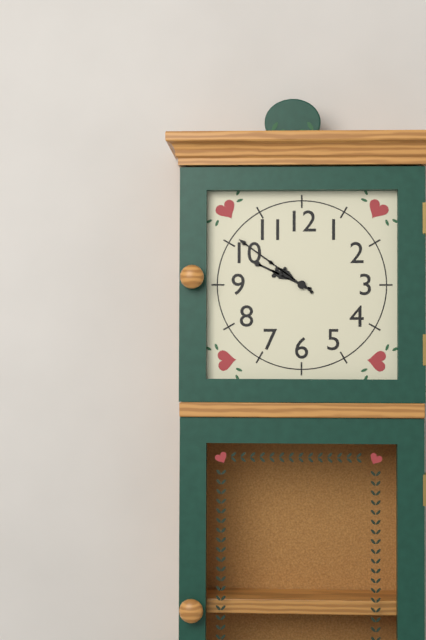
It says 9:51
